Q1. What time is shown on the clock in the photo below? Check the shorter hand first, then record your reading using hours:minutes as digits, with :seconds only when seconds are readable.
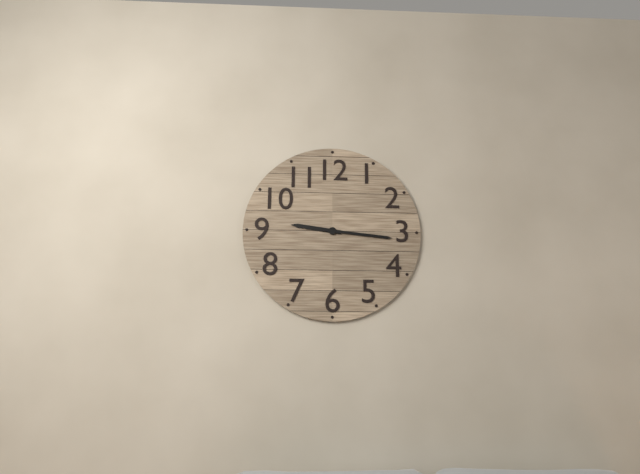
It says 9:16
